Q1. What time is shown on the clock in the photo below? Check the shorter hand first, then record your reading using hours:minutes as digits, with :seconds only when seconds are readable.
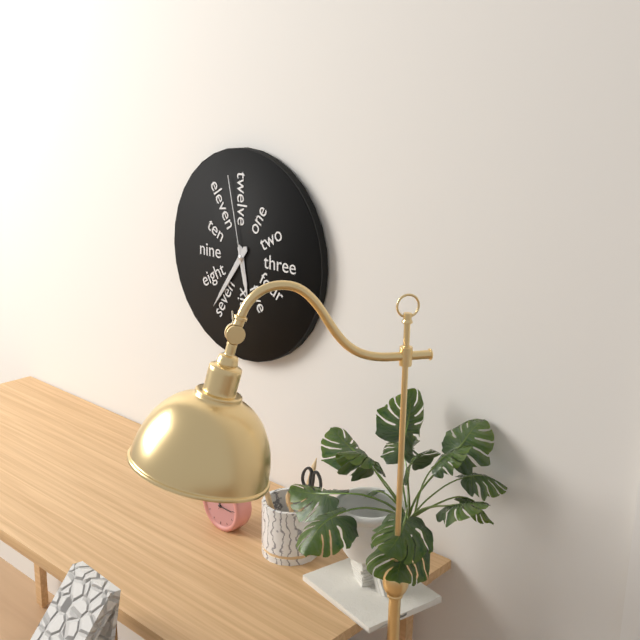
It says 5:36:58
